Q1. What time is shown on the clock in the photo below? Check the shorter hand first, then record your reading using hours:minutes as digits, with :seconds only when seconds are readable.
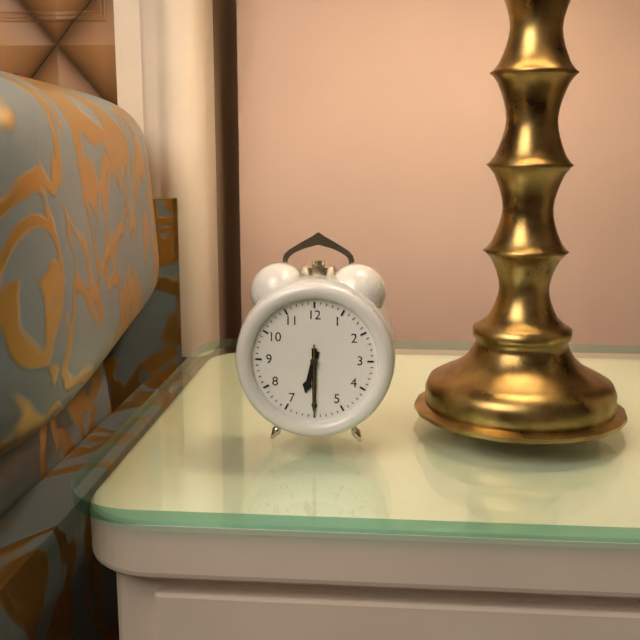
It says 6:30:30
